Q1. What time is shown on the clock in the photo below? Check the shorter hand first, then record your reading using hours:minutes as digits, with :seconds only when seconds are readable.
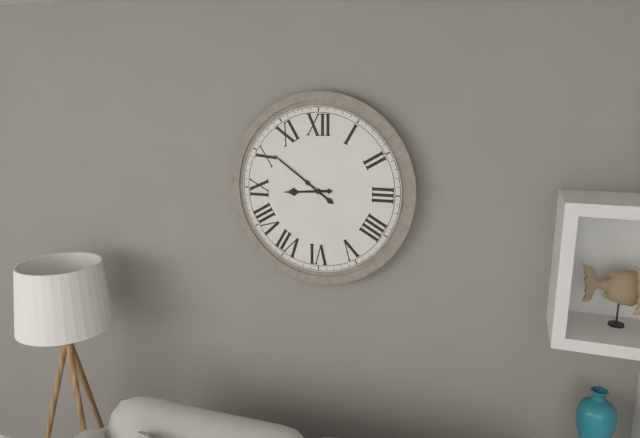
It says 8:51
